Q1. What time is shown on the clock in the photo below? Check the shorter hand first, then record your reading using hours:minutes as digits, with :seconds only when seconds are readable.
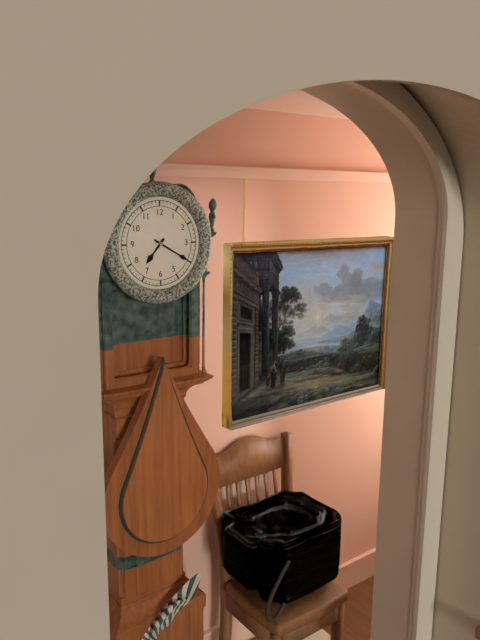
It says 7:20
